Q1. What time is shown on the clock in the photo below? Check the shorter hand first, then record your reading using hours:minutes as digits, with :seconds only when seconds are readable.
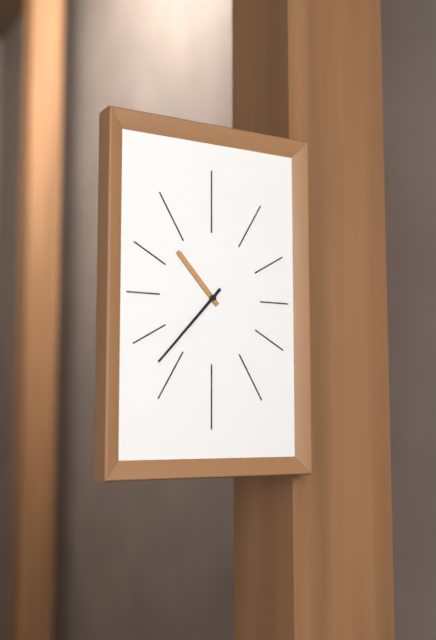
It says 10:37
